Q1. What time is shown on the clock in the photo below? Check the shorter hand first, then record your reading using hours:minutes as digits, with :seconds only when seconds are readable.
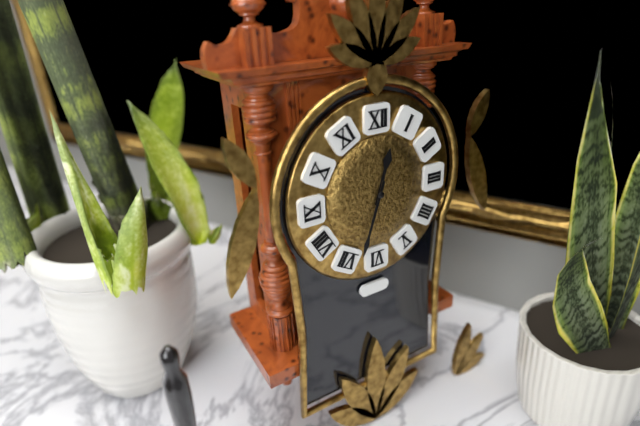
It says 12:33
